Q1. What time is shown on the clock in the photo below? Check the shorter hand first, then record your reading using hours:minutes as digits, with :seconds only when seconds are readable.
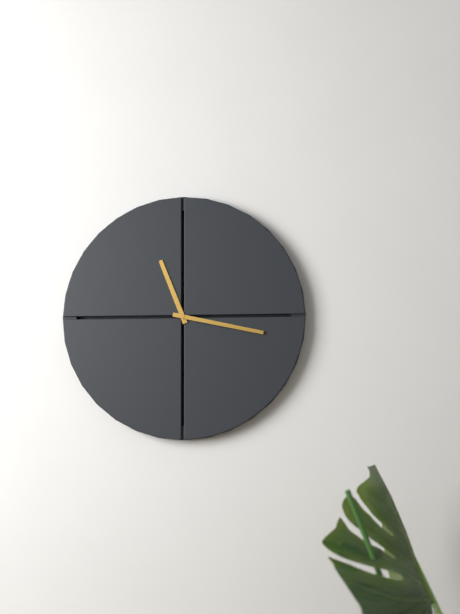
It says 11:17
